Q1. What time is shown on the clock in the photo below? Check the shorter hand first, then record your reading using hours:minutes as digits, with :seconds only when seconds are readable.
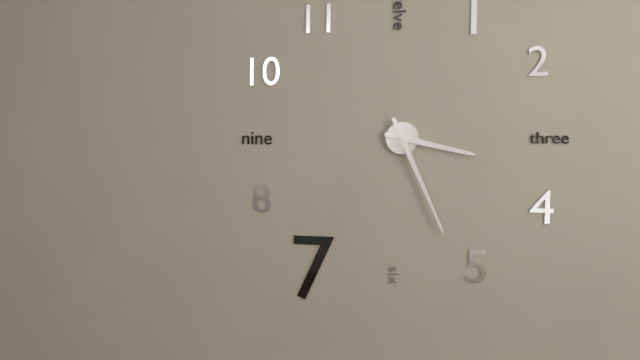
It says 3:26
